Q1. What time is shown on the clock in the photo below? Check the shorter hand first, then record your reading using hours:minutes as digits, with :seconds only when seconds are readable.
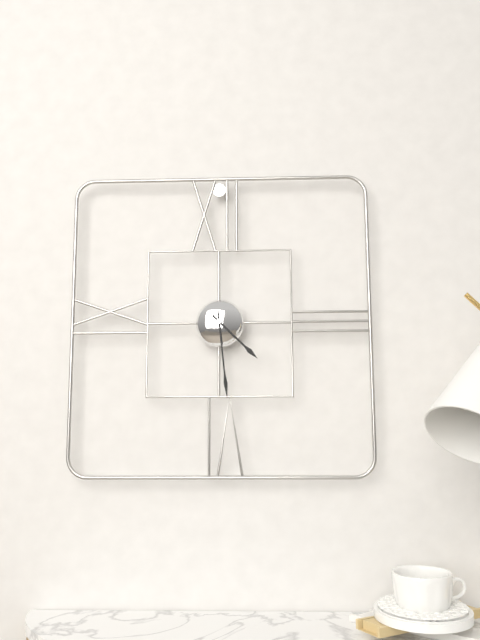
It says 4:29
